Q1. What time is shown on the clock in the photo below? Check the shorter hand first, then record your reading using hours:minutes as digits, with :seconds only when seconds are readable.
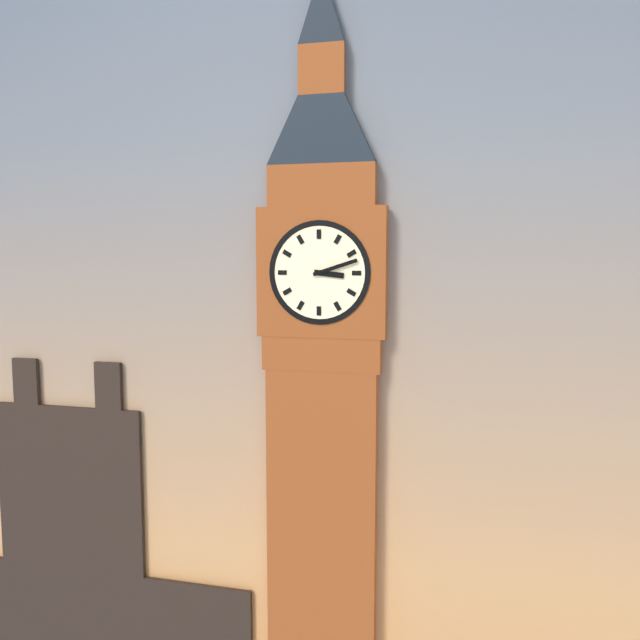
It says 3:12
